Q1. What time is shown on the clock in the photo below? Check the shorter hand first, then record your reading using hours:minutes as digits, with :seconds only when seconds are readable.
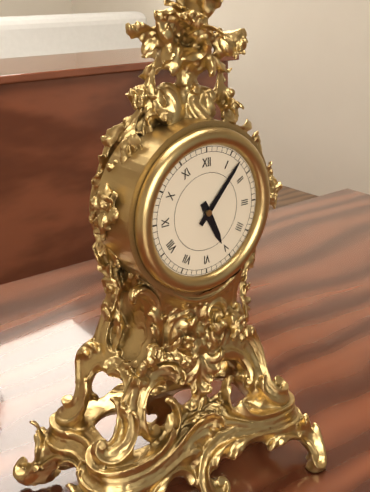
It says 5:07
